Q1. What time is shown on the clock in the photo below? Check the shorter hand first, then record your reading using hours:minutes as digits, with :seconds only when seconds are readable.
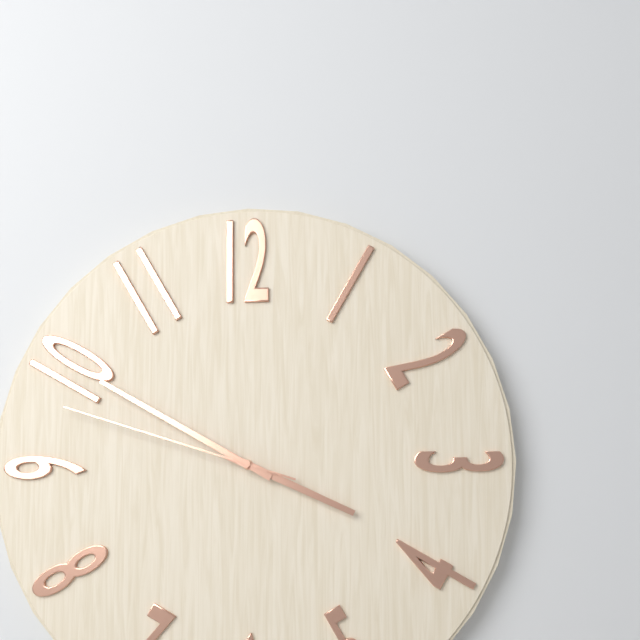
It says 3:50:48
